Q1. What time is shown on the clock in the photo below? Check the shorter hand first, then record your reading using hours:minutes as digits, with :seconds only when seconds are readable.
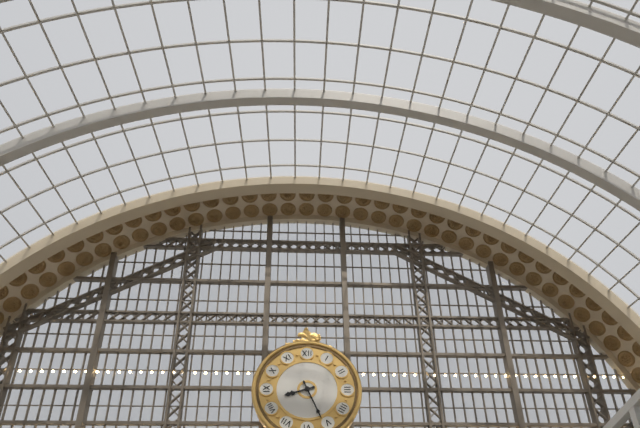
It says 8:26
